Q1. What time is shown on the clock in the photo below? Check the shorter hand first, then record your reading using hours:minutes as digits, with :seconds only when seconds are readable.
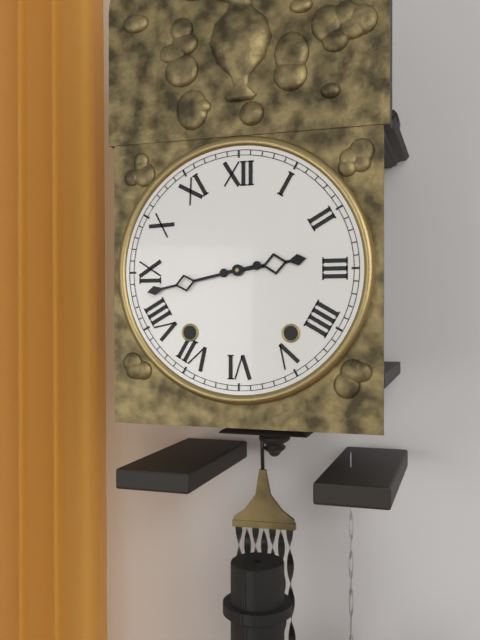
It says 2:43
